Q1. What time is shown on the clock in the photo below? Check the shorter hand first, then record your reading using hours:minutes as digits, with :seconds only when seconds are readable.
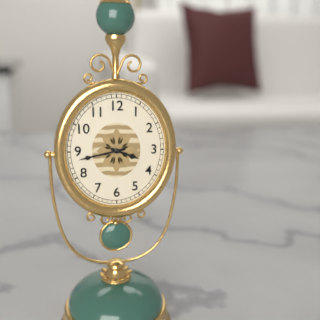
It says 3:43
